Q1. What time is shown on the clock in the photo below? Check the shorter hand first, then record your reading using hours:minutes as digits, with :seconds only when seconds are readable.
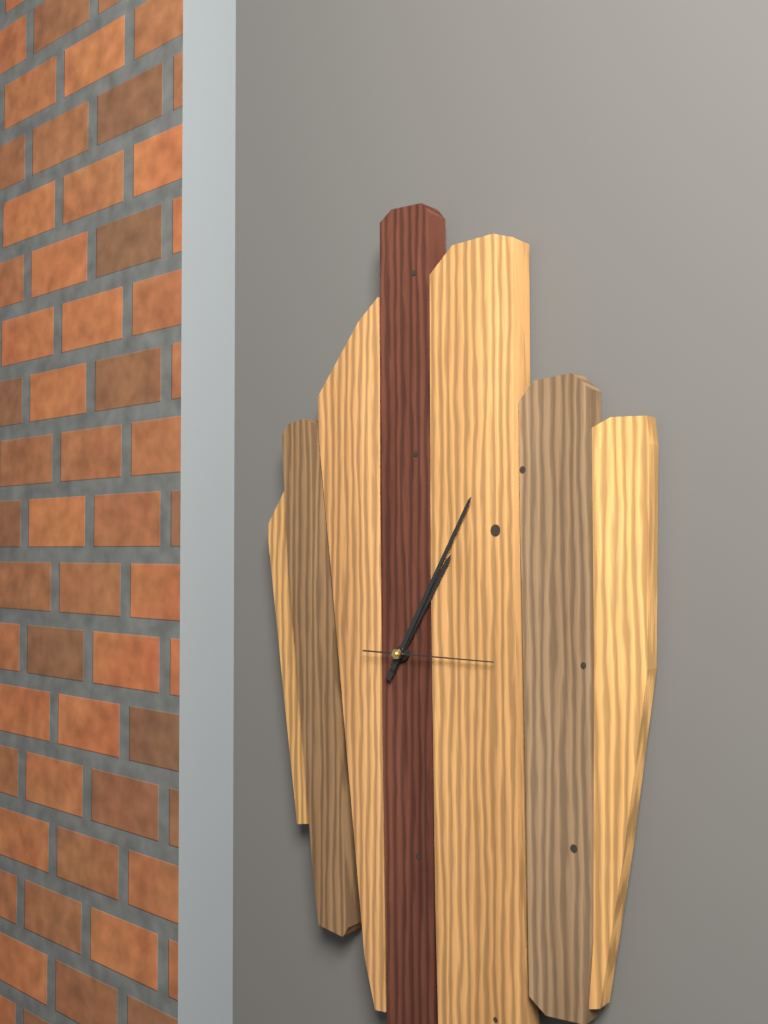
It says 1:05:15
